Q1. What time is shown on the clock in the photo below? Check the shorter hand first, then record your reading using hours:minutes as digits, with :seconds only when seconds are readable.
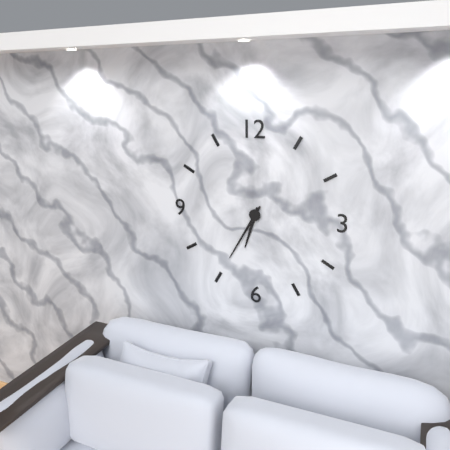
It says 6:35
